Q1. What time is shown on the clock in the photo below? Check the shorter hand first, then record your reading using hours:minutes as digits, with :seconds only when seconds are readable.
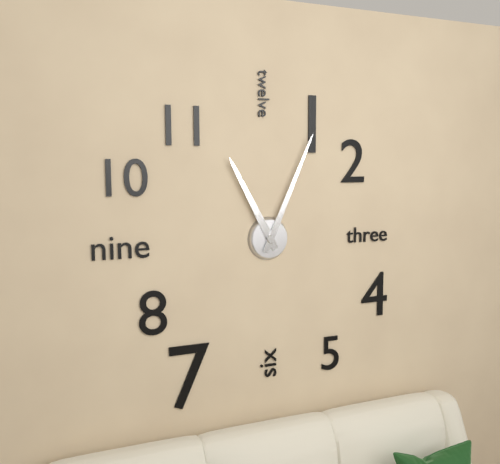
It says 11:04
